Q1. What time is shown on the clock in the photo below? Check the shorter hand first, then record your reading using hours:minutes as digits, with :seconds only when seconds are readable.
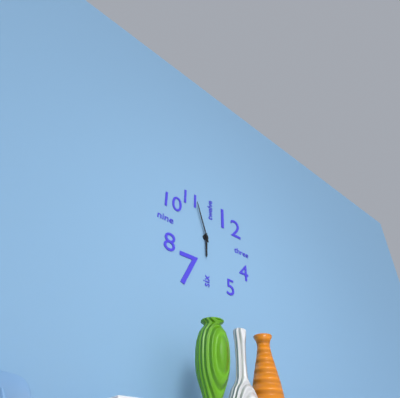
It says 5:57
